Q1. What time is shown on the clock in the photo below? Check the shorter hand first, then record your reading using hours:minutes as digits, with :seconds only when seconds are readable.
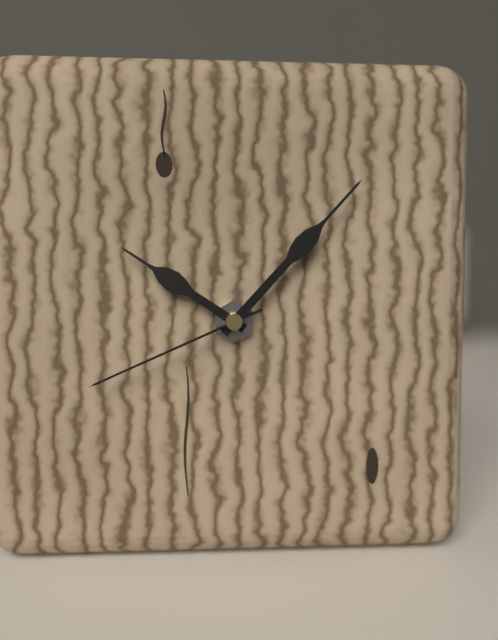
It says 10:07:41
